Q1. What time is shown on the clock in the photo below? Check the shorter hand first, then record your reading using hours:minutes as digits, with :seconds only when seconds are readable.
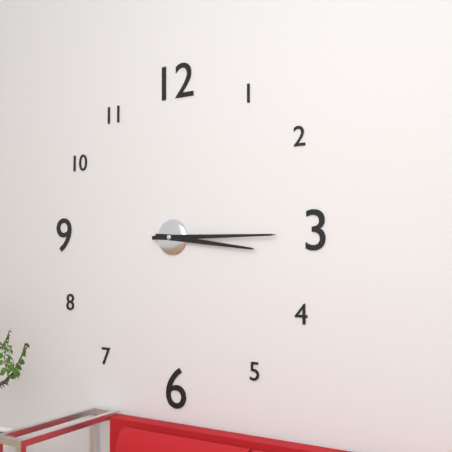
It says 3:15
